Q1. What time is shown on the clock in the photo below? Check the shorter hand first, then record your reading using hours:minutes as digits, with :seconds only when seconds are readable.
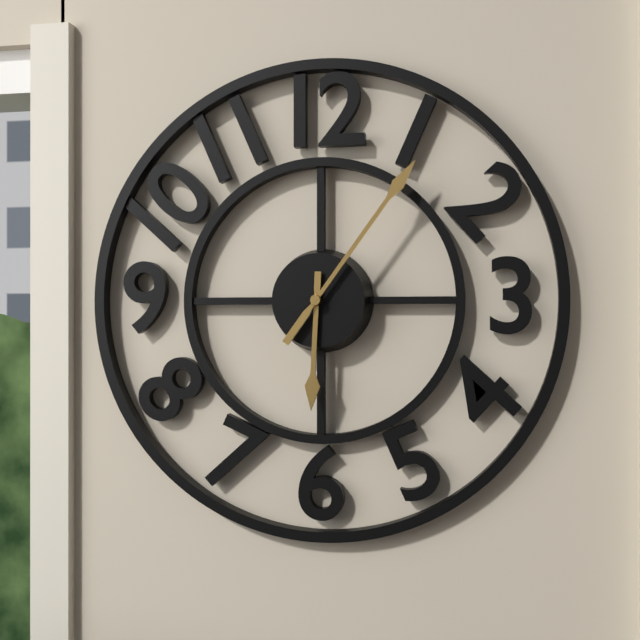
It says 6:06
